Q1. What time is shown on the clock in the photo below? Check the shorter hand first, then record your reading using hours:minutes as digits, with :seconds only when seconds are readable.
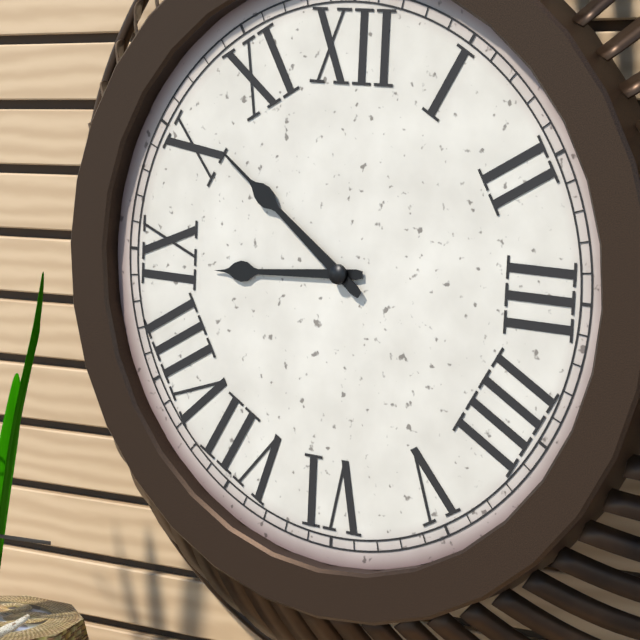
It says 8:51
